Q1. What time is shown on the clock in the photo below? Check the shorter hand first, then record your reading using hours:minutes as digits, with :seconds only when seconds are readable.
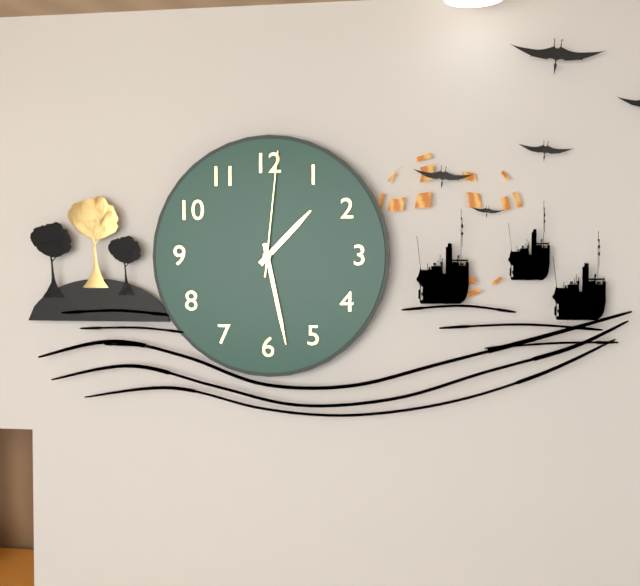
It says 1:28:01
